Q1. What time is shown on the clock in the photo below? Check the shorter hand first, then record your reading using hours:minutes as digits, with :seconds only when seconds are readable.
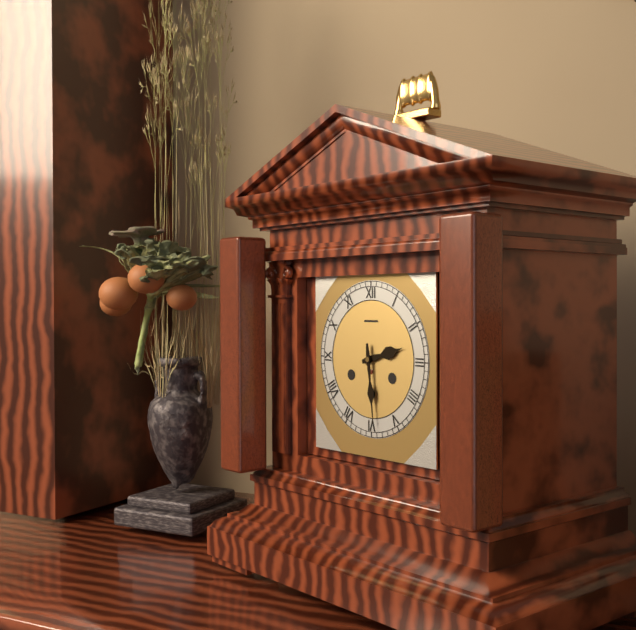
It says 2:29
